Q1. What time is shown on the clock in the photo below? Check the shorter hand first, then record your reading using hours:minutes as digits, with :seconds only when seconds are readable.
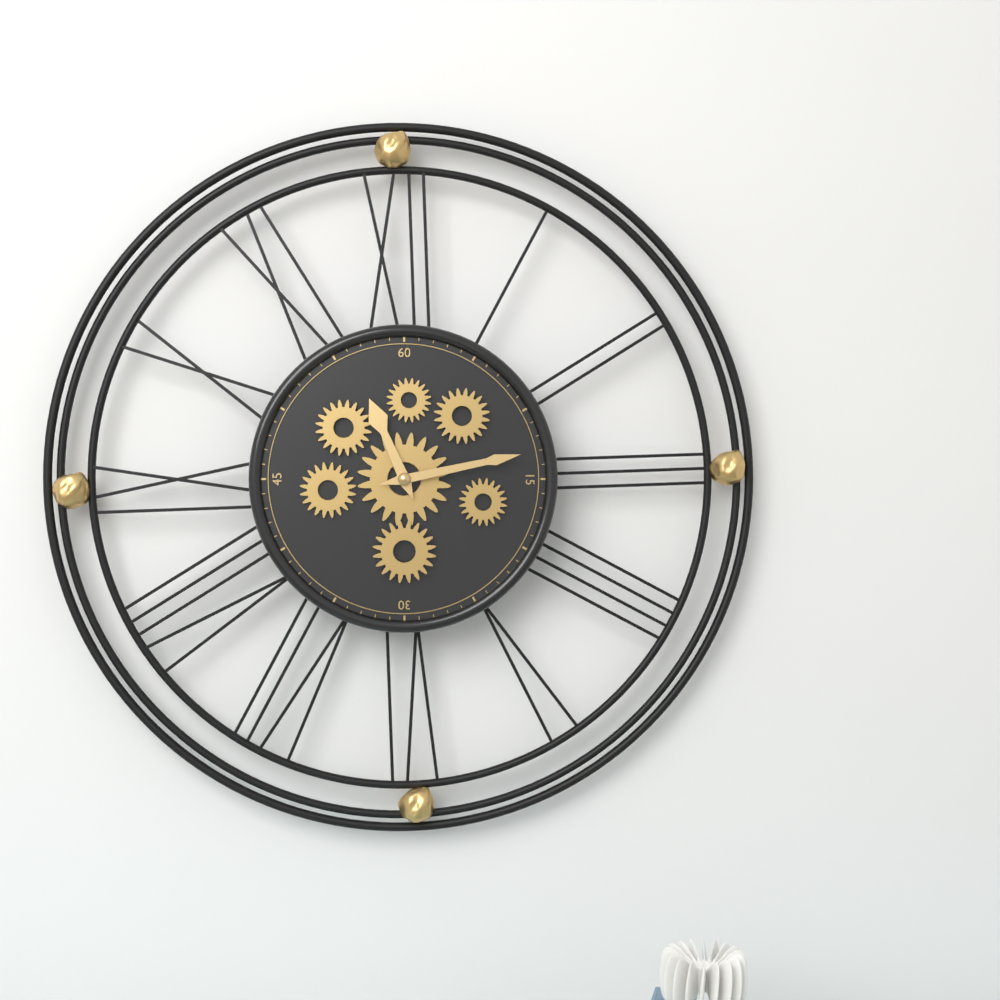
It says 11:13
